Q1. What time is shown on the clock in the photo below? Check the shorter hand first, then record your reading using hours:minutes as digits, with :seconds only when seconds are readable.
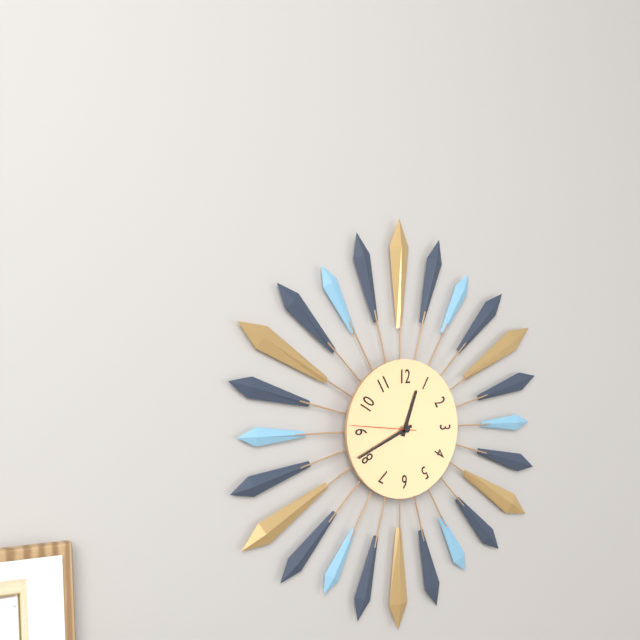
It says 12:41:46
